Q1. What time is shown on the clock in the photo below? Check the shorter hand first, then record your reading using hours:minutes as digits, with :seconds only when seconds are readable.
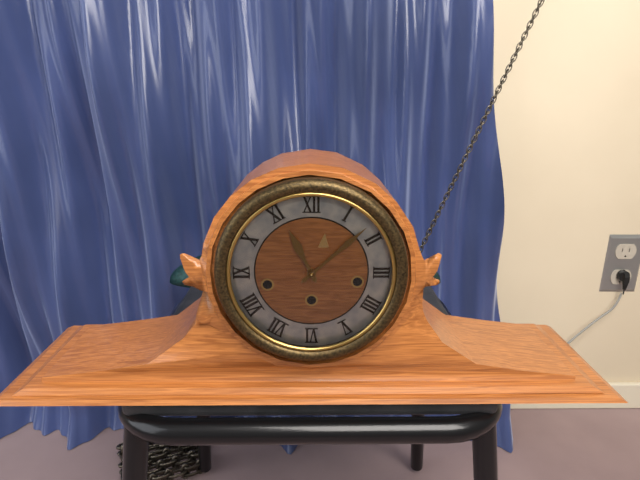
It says 11:08
